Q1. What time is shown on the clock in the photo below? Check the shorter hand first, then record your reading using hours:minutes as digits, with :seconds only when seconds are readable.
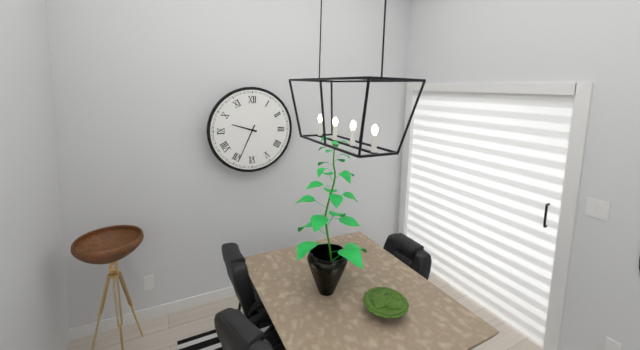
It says 9:34
